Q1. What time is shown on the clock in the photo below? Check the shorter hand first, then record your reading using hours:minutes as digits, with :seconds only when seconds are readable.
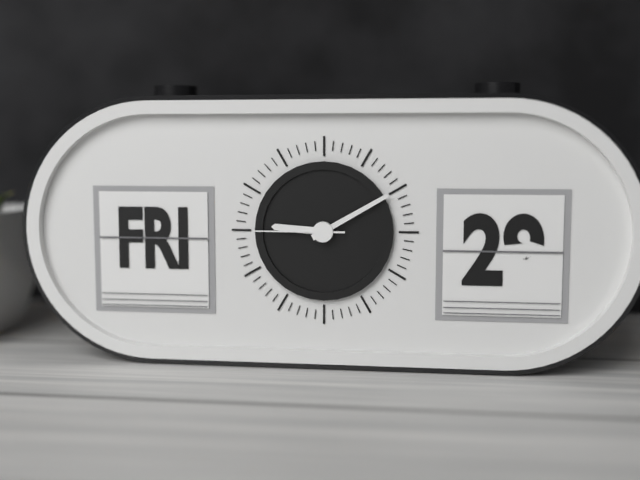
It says 9:10:45
